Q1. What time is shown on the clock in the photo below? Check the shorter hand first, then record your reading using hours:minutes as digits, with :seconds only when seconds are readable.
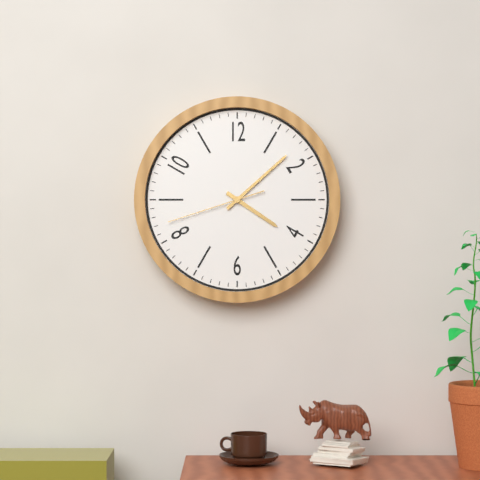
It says 4:08:42
